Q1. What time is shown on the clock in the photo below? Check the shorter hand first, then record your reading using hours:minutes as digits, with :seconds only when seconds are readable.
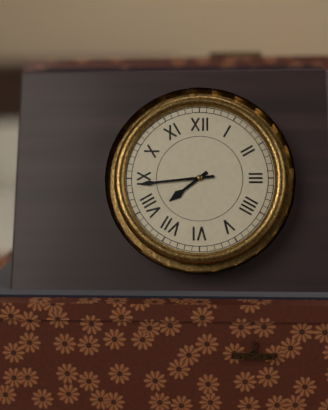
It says 7:44
